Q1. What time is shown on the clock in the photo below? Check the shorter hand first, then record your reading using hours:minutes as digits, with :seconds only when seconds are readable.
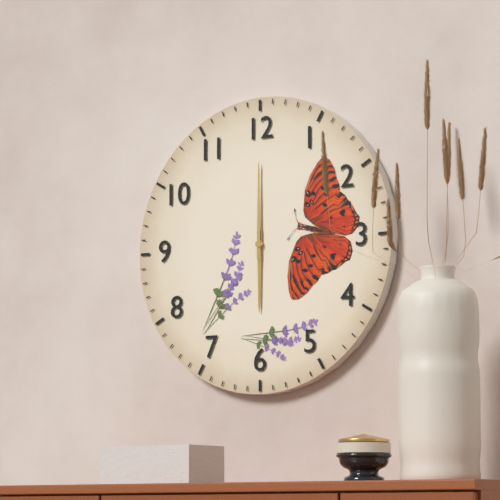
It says 6:00
